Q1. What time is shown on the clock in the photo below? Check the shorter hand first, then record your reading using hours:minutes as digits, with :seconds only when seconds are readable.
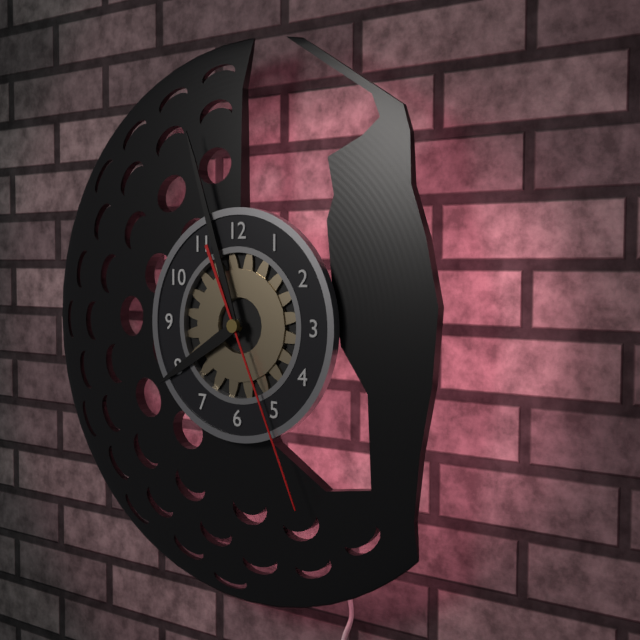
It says 7:57:26
